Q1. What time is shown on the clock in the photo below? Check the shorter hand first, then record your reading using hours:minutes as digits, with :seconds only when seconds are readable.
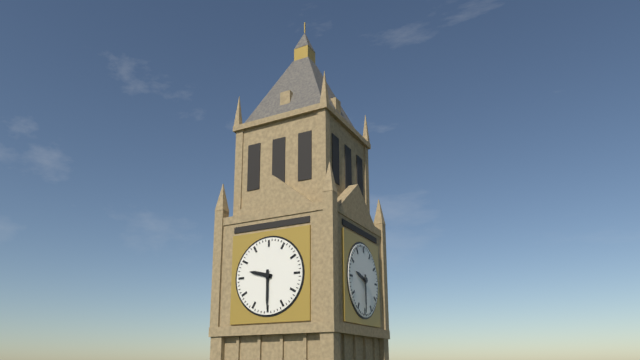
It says 9:30
